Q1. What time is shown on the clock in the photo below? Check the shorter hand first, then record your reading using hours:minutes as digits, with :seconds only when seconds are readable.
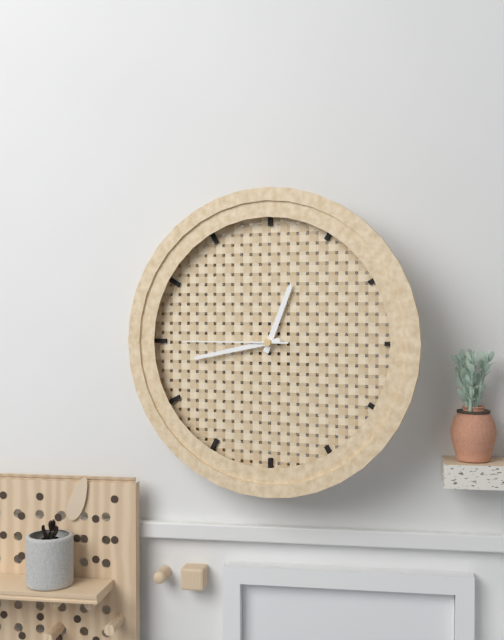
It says 12:43:45
